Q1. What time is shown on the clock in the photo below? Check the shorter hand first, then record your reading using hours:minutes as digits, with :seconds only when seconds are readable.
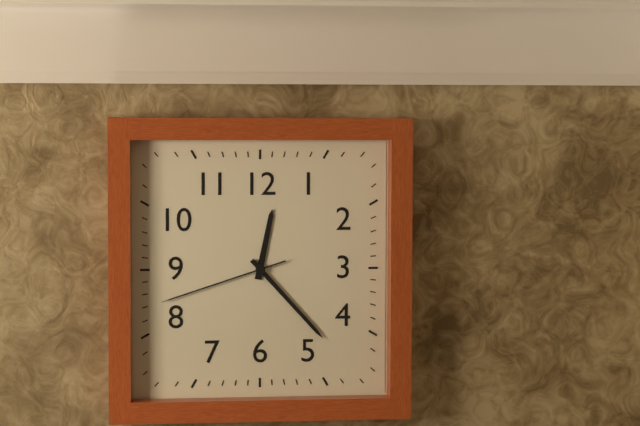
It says 12:23:42
